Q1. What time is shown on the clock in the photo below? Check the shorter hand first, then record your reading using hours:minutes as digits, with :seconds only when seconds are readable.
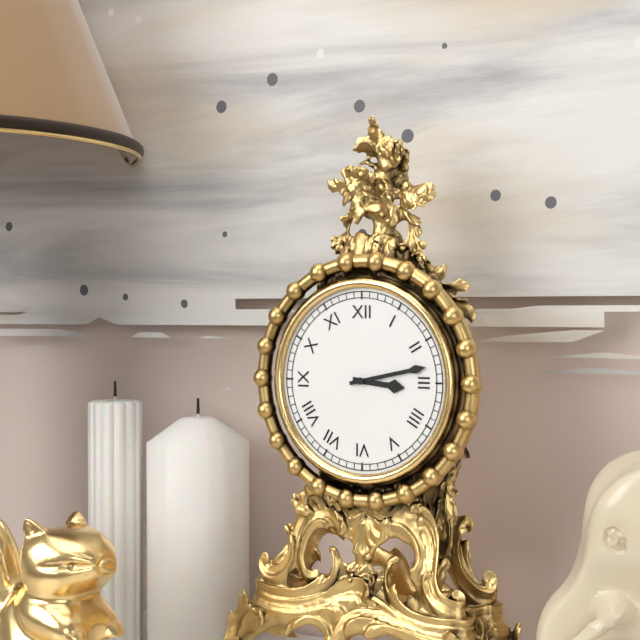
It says 3:13
